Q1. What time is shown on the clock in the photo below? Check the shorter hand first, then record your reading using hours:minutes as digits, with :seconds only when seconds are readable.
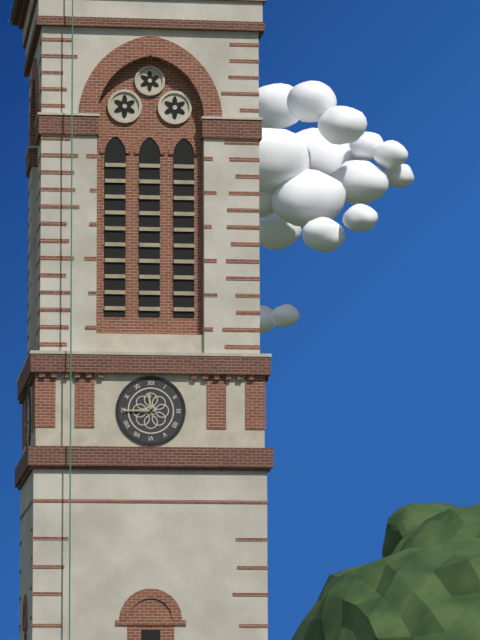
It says 11:45
